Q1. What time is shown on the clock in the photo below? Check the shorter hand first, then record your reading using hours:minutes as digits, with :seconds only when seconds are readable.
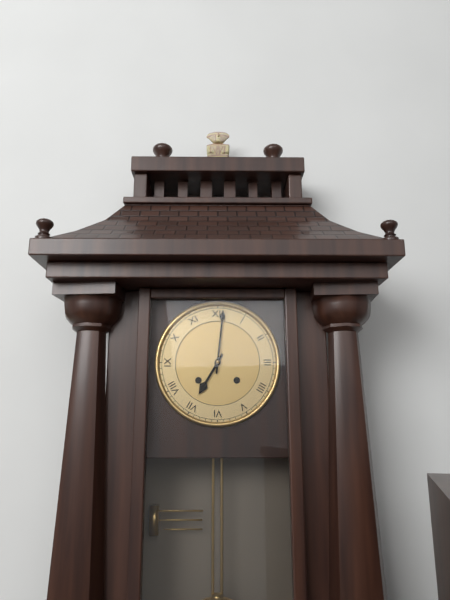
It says 7:01
